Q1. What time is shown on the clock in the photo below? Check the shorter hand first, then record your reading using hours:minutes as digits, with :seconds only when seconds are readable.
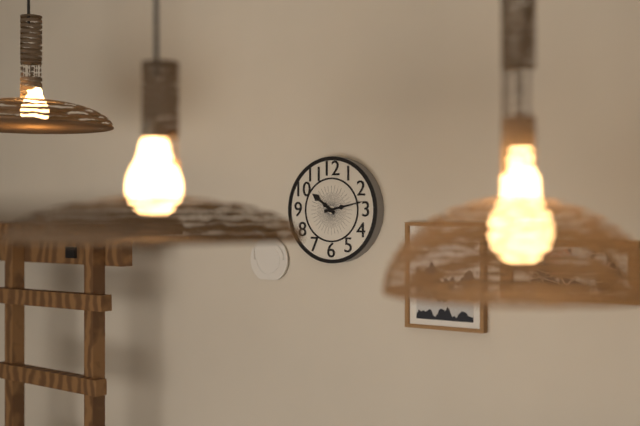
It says 10:13
